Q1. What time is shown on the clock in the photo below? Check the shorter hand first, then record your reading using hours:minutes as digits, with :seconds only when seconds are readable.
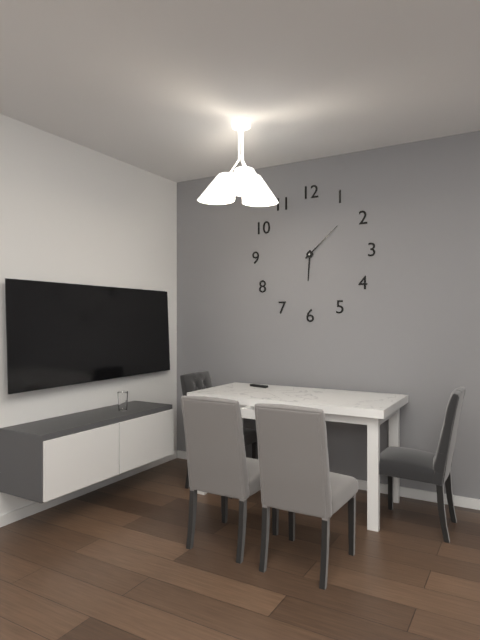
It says 6:08
